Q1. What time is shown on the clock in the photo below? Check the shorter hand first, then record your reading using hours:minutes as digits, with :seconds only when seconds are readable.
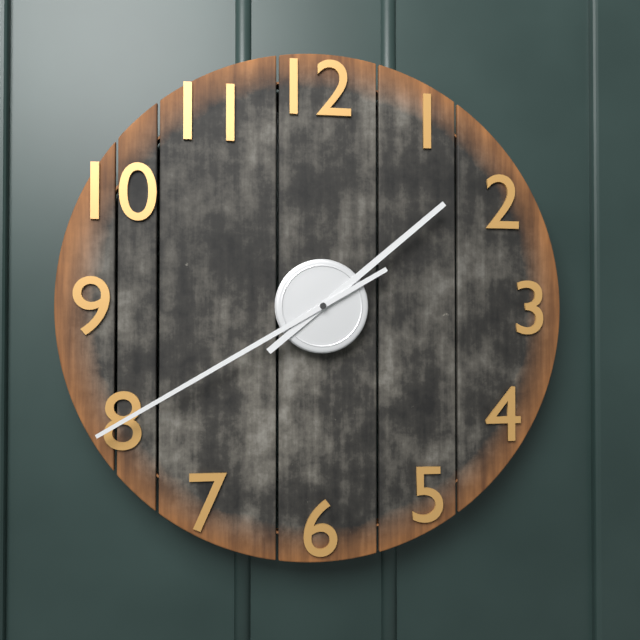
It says 1:40
